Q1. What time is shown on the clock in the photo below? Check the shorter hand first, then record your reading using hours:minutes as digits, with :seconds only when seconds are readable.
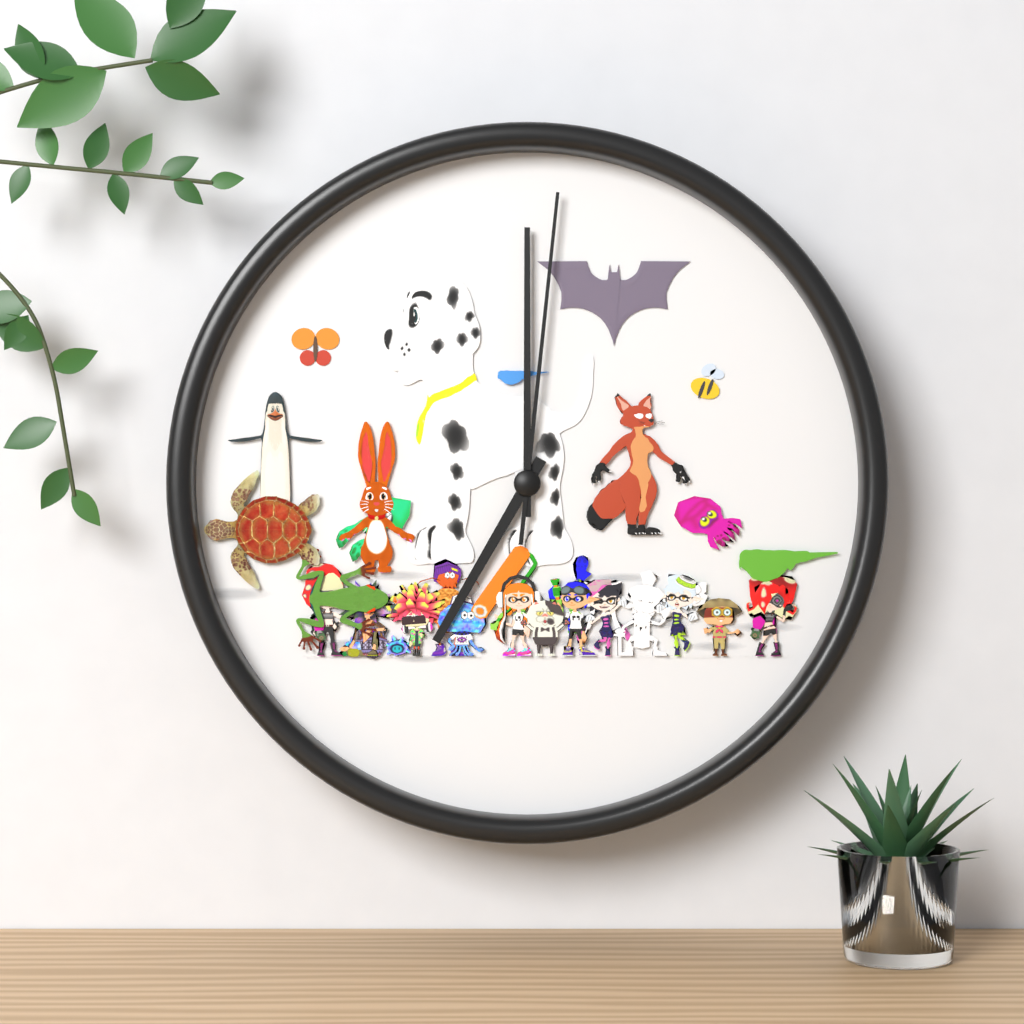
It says 7:00:01
